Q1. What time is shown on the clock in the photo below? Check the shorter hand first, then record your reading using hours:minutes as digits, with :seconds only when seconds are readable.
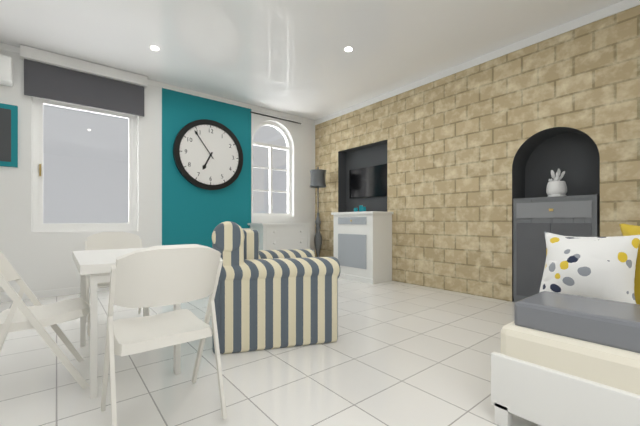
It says 6:54
